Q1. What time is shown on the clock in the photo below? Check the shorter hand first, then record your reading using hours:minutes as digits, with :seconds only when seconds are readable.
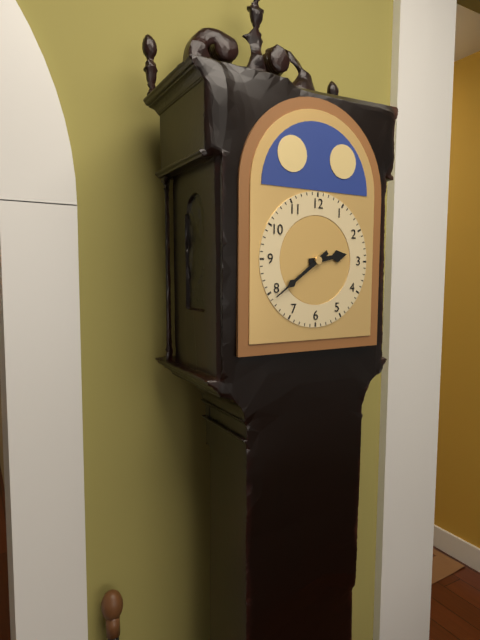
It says 2:39
